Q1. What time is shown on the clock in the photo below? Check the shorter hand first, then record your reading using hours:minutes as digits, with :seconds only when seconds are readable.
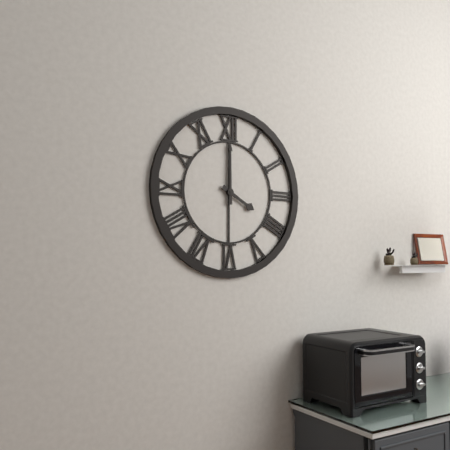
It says 4:00
